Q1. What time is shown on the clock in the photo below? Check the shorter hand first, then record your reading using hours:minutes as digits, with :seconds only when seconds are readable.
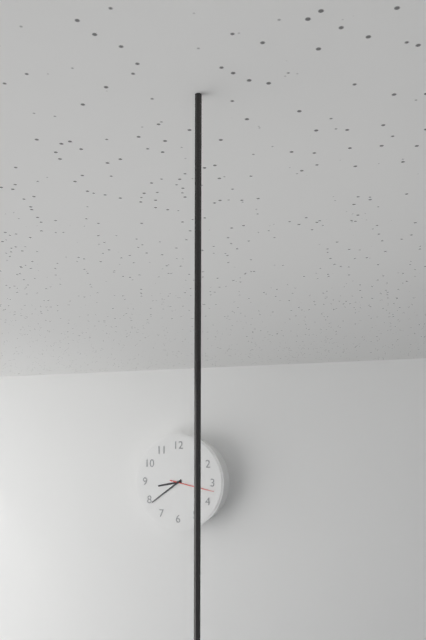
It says 8:39
